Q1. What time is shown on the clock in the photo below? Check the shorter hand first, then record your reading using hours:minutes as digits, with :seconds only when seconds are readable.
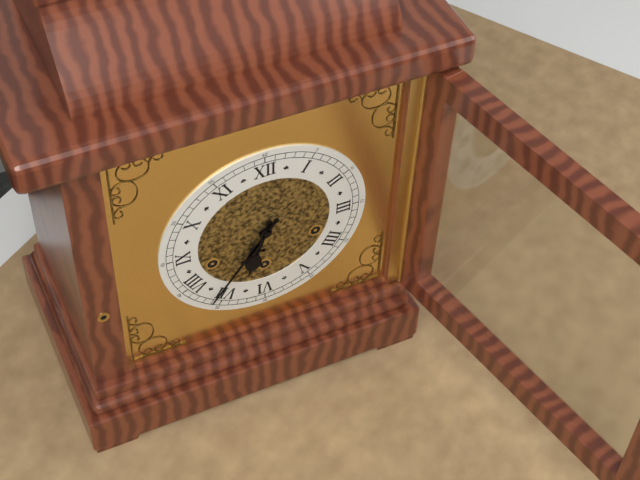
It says 6:36
